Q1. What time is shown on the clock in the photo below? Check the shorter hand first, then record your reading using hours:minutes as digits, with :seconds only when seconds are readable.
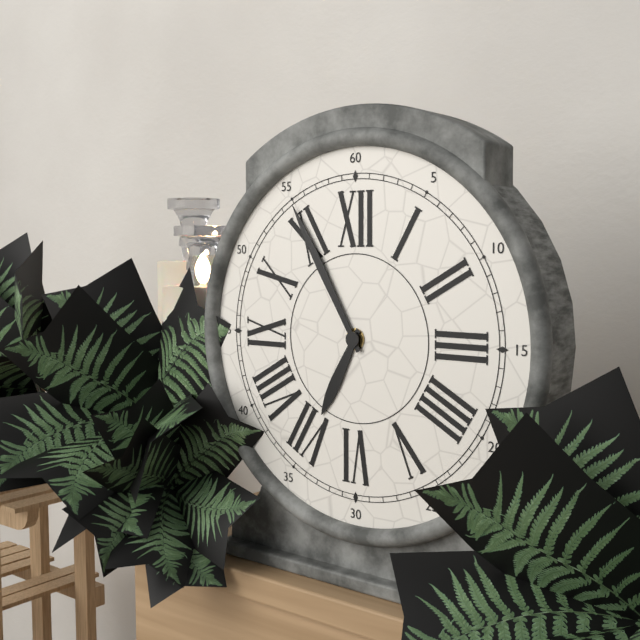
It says 6:55
